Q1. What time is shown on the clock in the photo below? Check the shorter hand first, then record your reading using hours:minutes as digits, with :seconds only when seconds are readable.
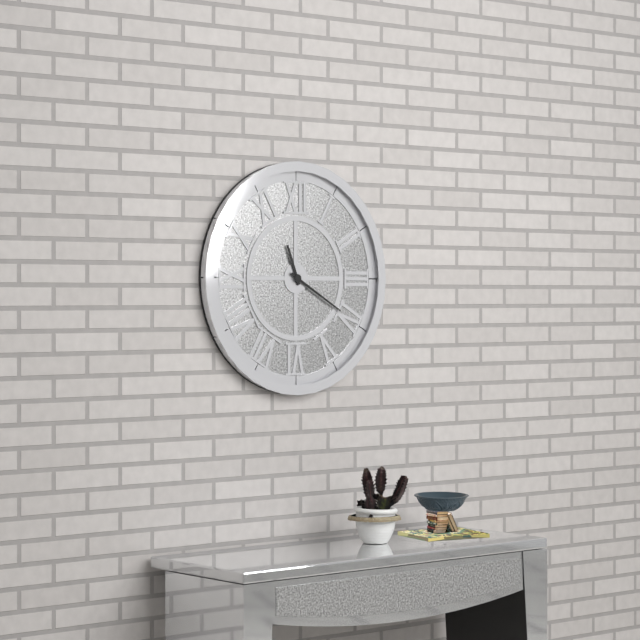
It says 11:20
